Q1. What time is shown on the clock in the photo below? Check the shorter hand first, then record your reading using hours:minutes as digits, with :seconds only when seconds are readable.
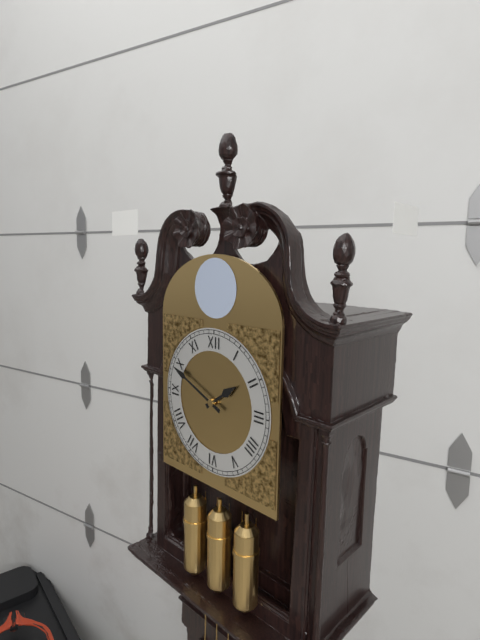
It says 1:49
